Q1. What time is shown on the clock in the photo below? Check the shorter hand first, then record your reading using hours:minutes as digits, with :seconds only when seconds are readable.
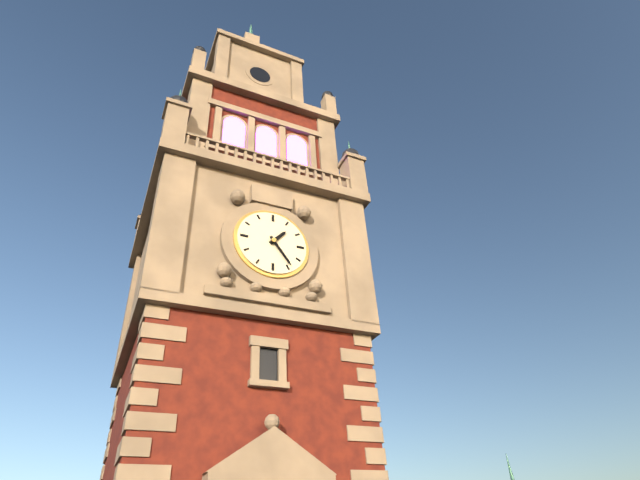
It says 1:24
